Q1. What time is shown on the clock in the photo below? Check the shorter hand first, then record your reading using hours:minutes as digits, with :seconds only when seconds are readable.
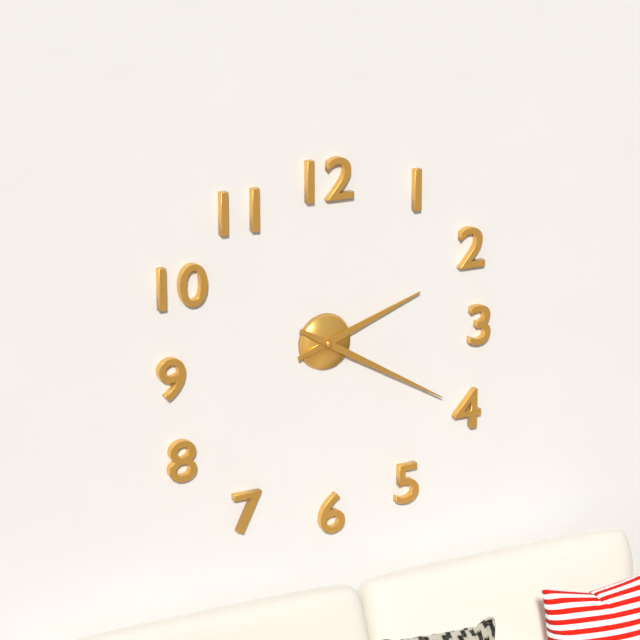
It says 2:20
